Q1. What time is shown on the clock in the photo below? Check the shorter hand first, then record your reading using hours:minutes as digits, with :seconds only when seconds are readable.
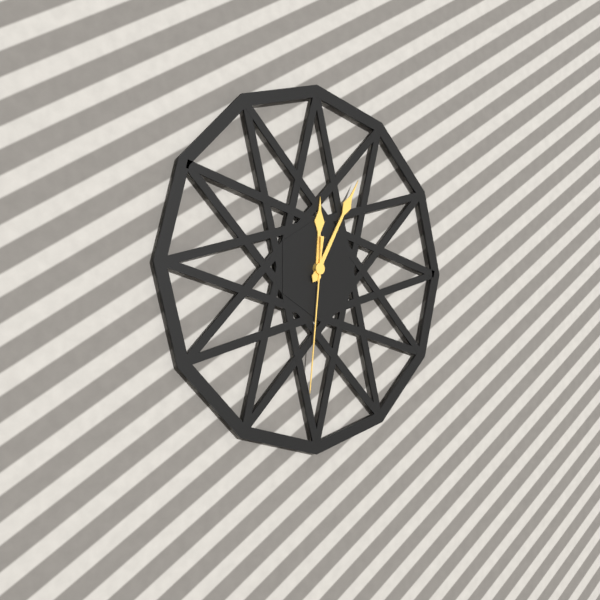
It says 12:05:31
